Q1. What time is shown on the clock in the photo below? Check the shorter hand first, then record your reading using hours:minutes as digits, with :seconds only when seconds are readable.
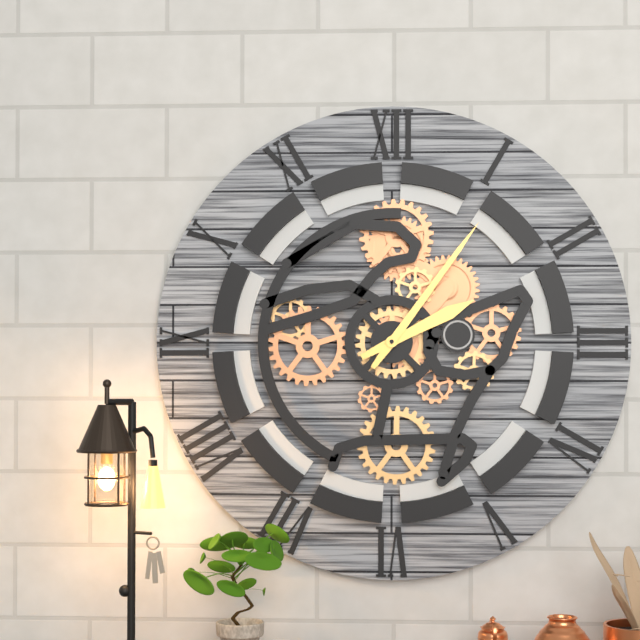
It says 2:06
